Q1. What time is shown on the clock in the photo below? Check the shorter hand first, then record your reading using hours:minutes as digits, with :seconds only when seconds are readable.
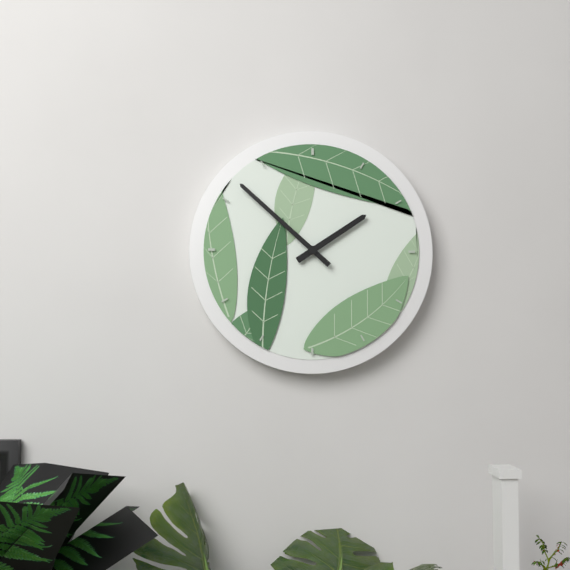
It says 1:52
